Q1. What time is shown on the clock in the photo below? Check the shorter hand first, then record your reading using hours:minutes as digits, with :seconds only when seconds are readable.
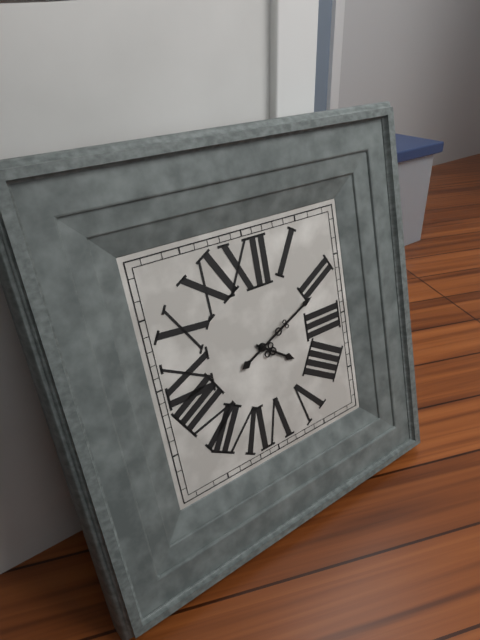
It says 4:11
